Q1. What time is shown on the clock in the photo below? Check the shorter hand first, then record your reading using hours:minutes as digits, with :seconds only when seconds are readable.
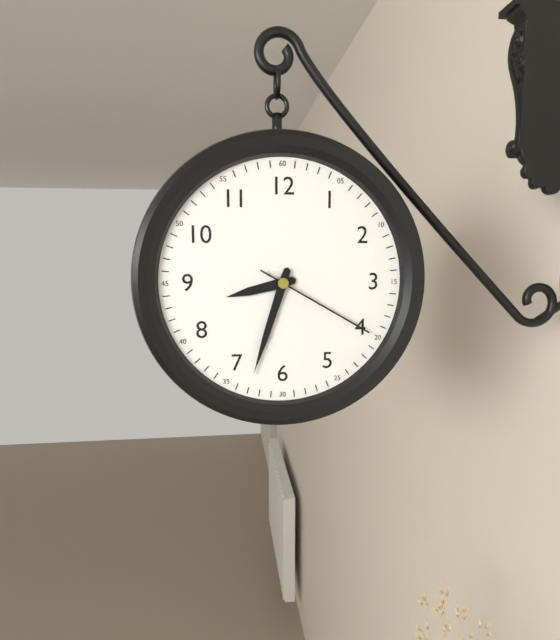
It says 8:33:20
